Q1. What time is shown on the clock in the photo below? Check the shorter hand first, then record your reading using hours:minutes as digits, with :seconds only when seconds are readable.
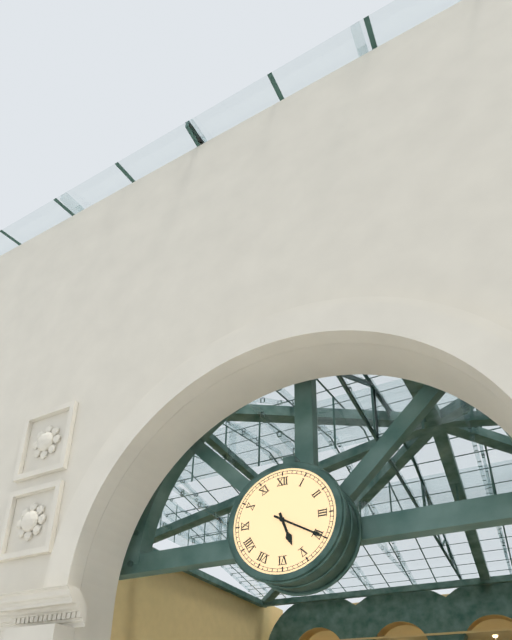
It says 5:20
